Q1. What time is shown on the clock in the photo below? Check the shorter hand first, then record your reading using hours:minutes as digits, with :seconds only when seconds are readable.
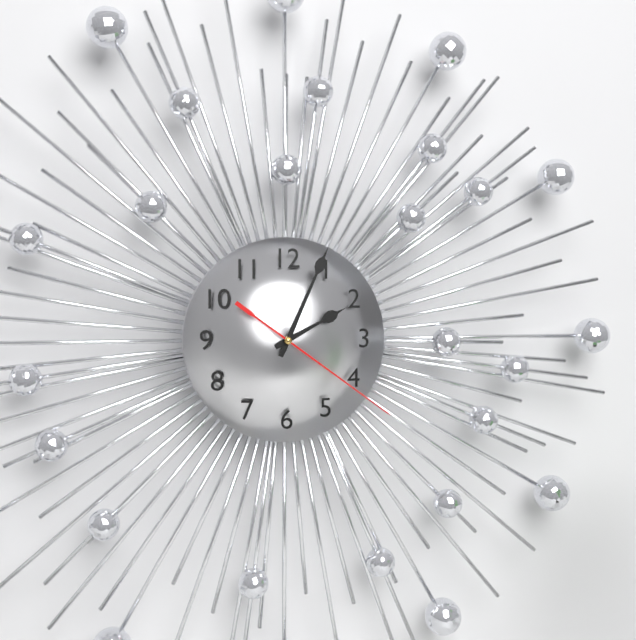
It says 2:04:21
